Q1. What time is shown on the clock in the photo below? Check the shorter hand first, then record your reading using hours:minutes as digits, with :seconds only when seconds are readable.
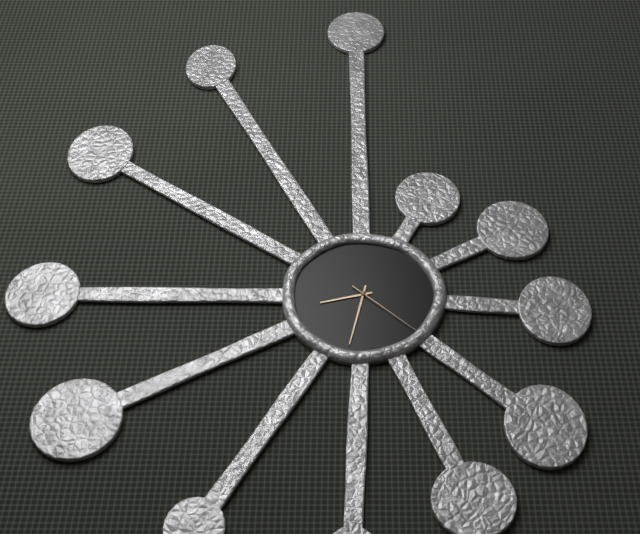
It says 8:32:22
